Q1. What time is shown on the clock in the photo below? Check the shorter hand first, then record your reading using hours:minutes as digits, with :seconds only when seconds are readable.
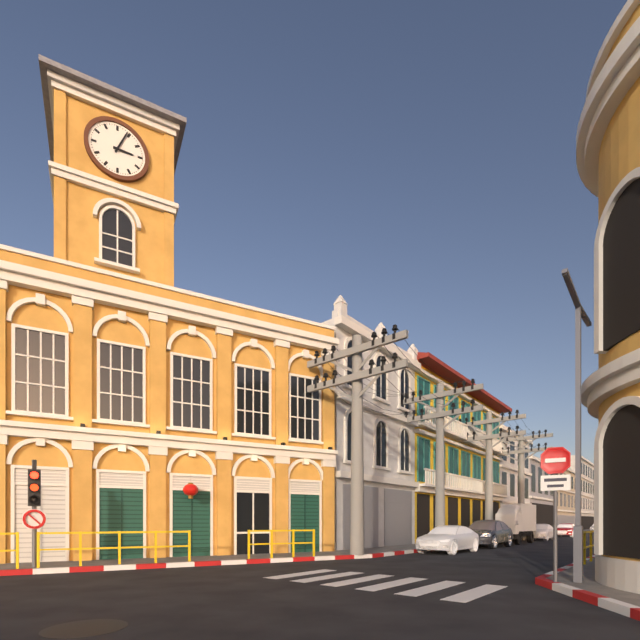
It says 3:04
